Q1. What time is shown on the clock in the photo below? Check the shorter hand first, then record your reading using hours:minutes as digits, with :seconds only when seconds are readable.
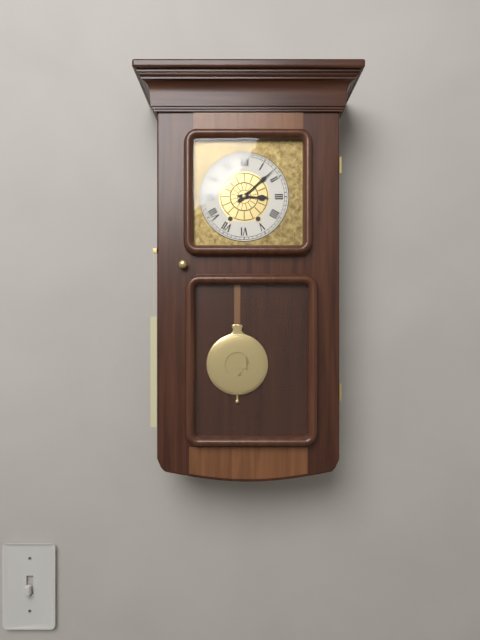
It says 3:08
